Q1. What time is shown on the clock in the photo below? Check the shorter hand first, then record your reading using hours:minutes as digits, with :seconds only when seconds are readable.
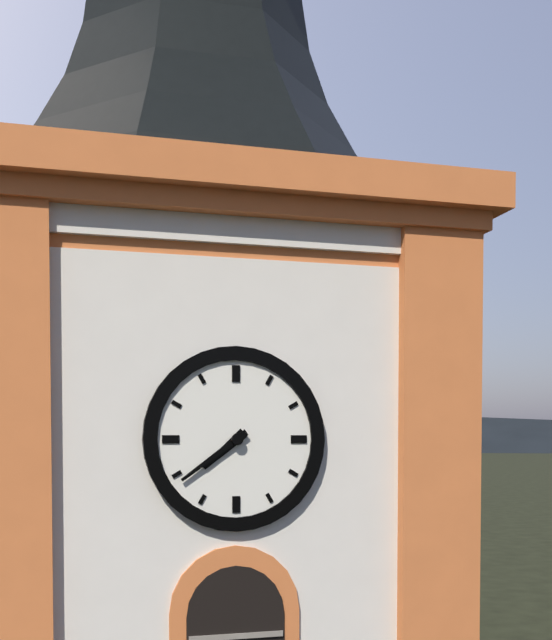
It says 7:39
